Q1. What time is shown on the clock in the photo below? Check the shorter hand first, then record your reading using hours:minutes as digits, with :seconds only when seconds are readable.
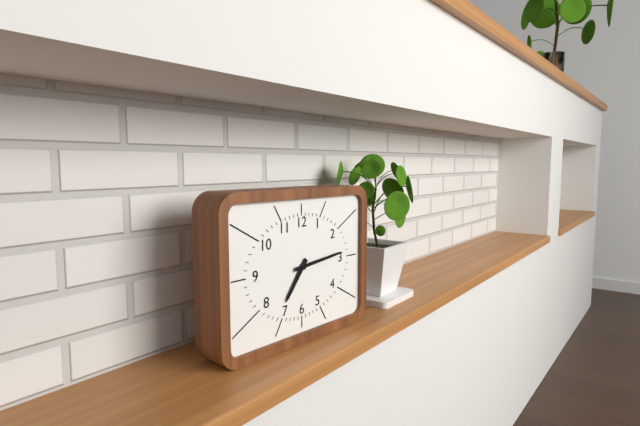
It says 7:14
